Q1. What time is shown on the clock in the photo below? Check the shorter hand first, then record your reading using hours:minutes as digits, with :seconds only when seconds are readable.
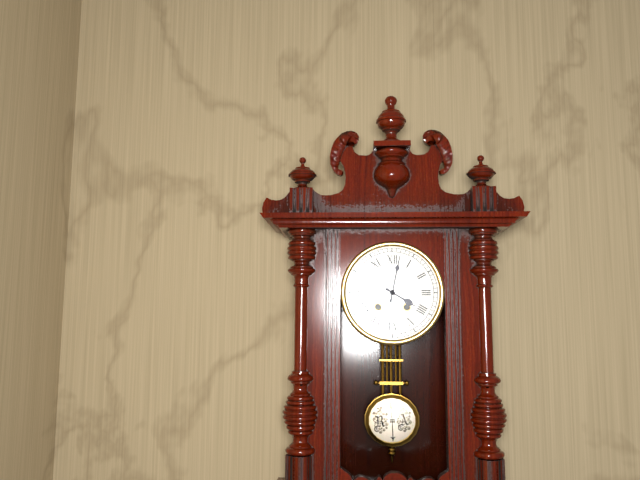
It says 4:02
